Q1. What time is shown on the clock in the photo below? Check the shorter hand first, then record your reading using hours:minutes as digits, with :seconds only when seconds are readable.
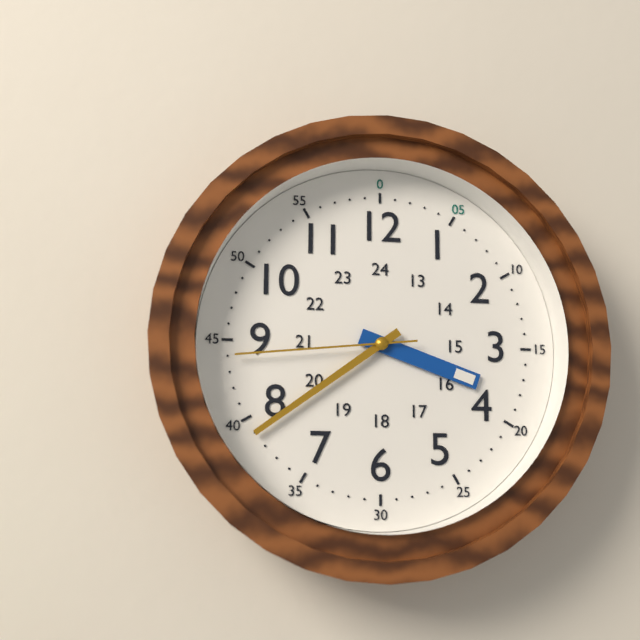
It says 3:39:44
